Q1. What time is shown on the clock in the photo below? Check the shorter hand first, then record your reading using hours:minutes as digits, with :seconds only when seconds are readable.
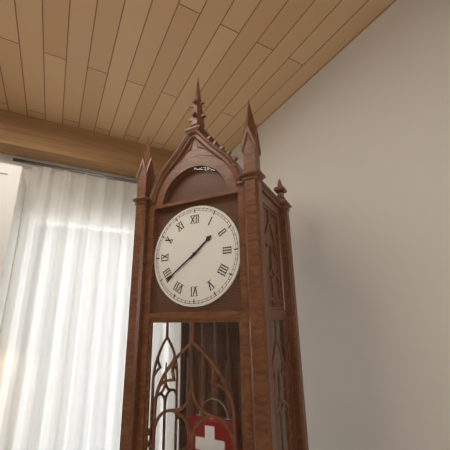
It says 1:39
